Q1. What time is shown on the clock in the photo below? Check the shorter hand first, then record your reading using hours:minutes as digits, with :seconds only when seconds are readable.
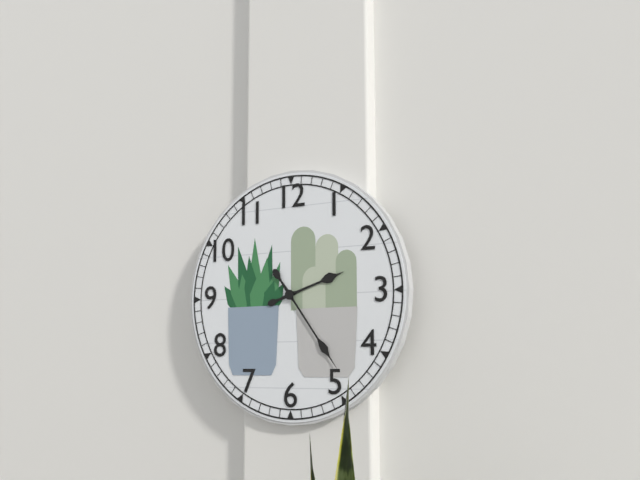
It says 2:24
